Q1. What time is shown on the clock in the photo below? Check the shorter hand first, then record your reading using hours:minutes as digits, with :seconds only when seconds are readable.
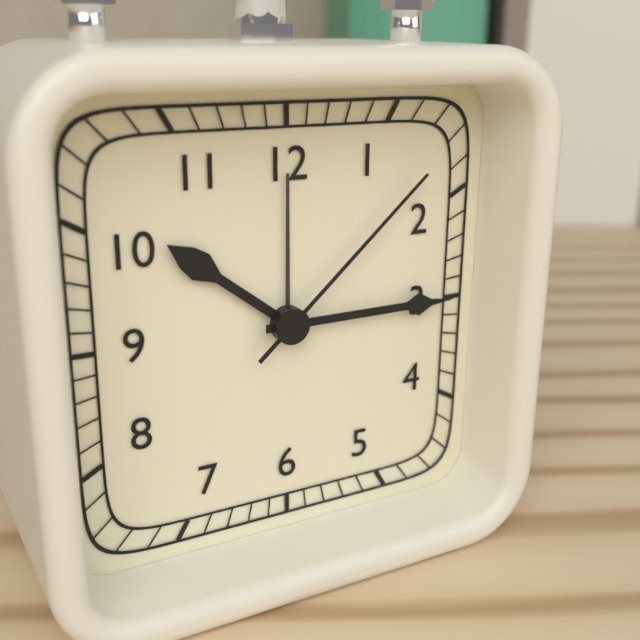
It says 10:15:08
